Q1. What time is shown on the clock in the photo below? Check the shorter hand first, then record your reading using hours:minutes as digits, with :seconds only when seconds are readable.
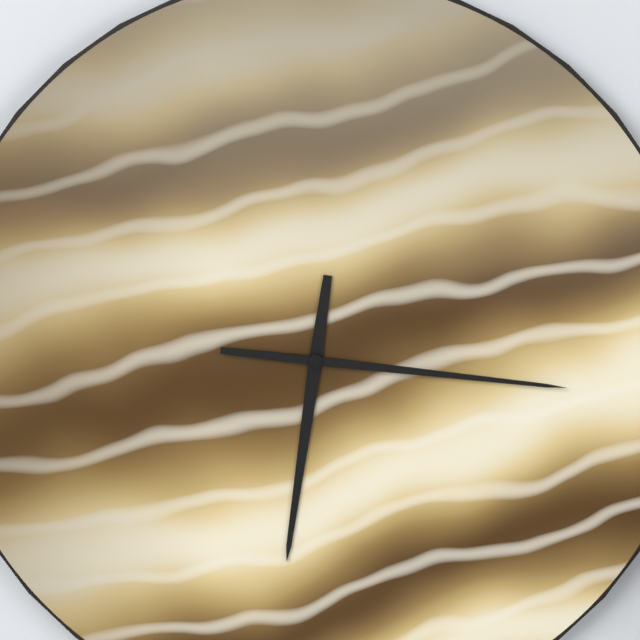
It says 6:16
